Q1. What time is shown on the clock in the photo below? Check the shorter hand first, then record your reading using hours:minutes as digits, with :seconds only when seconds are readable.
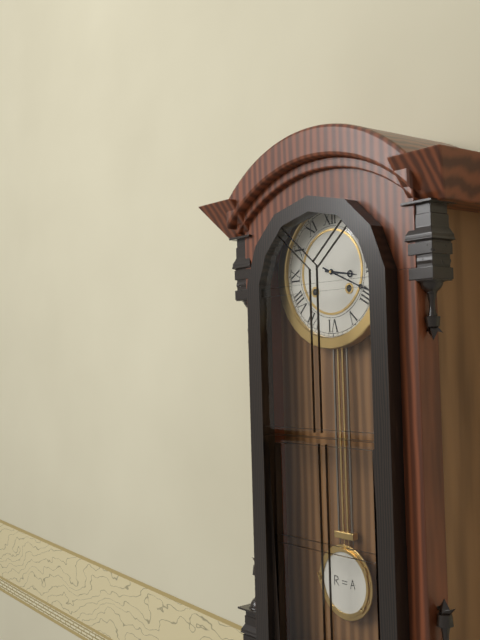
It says 3:19
